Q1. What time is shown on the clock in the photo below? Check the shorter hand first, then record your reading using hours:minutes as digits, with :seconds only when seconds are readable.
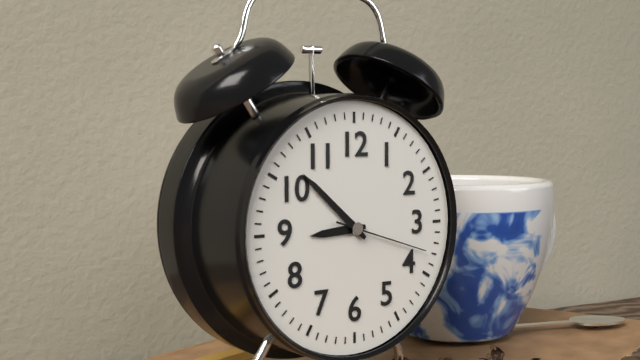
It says 8:52:18
